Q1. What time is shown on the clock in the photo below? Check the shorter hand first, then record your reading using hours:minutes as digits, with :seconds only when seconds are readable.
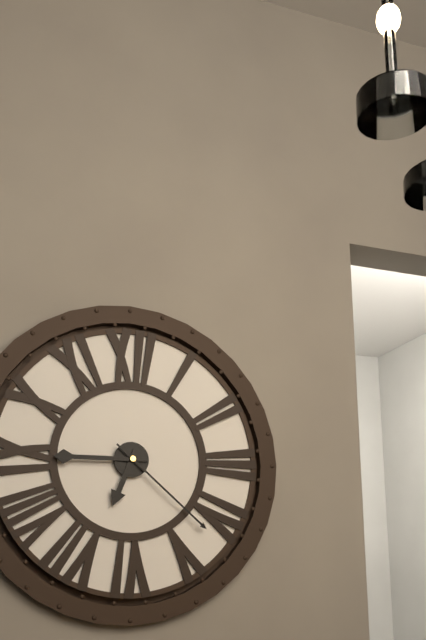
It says 6:45:22
